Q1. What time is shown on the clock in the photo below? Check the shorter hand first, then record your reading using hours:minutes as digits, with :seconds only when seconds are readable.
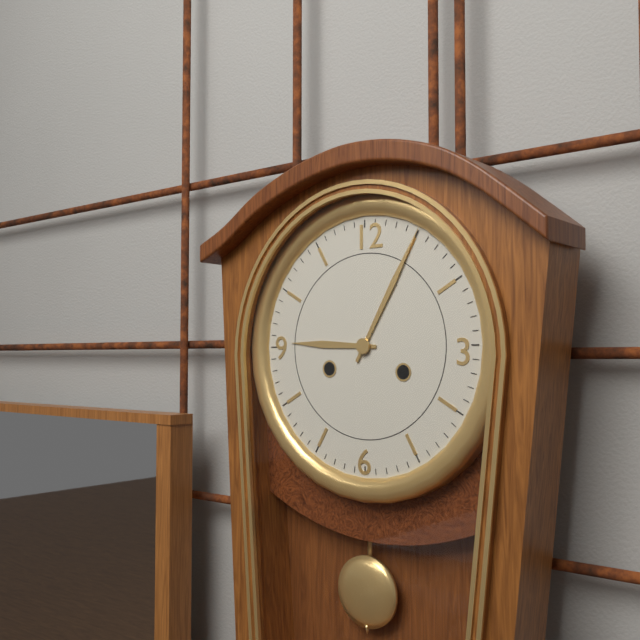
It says 9:05
